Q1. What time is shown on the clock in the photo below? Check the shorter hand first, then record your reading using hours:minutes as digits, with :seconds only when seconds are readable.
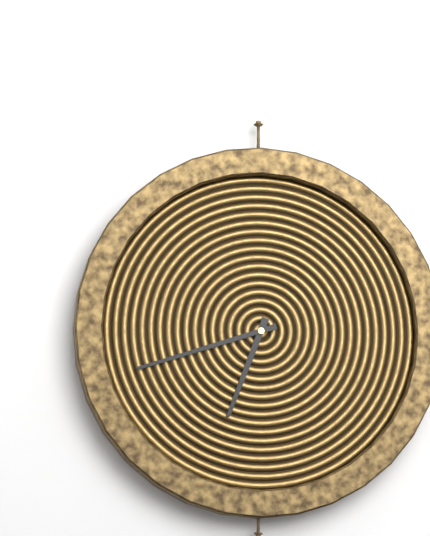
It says 6:42
